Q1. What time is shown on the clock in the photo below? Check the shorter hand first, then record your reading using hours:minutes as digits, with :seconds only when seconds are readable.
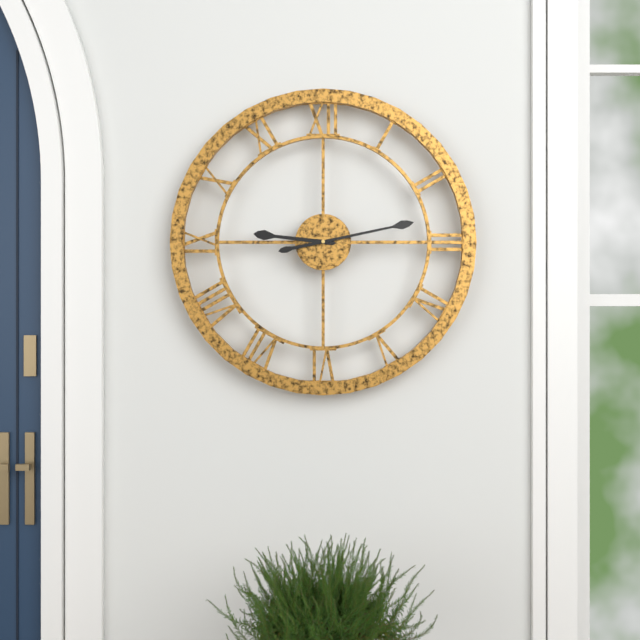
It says 9:13
